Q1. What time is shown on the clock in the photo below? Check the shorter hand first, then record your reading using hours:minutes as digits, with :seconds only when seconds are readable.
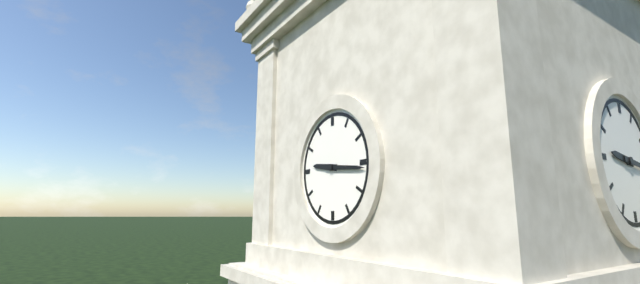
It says 9:16
